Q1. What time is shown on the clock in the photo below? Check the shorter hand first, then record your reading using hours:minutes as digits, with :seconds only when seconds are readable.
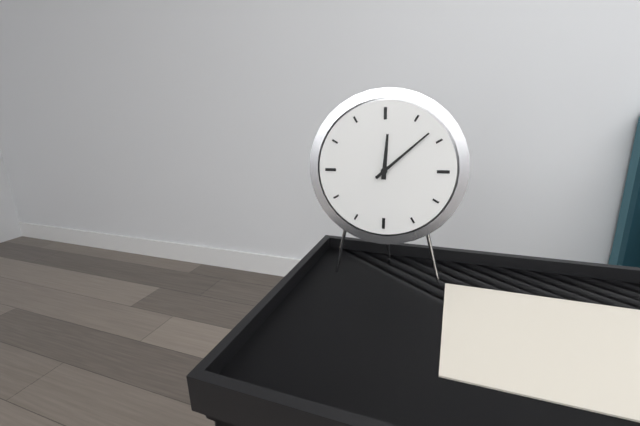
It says 12:08
